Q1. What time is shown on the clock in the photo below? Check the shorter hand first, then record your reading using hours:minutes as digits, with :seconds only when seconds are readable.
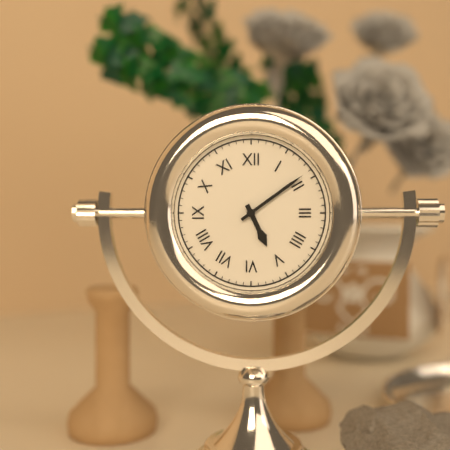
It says 5:09
